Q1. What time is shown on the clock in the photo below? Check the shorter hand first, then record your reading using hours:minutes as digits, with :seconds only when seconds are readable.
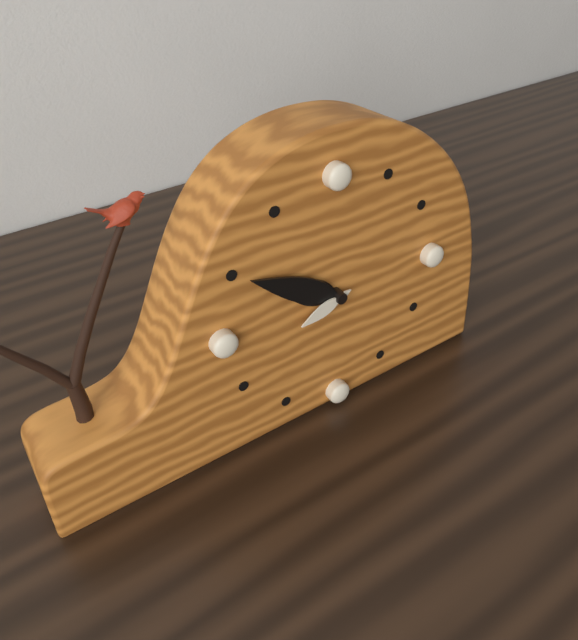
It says 9:50:42
